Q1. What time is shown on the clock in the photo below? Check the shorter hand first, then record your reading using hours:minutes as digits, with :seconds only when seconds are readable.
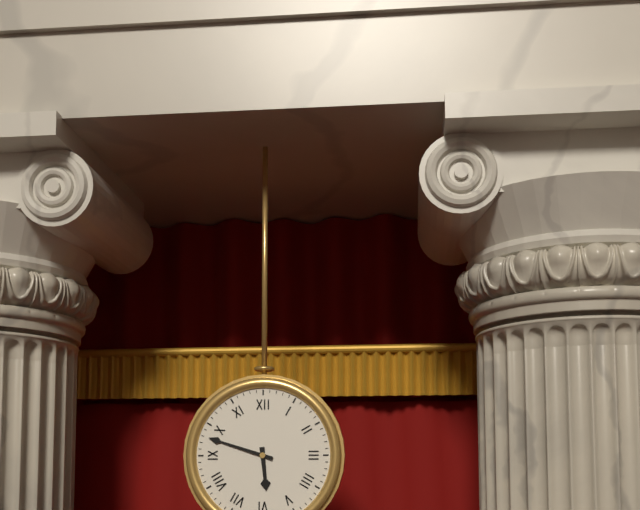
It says 5:48
